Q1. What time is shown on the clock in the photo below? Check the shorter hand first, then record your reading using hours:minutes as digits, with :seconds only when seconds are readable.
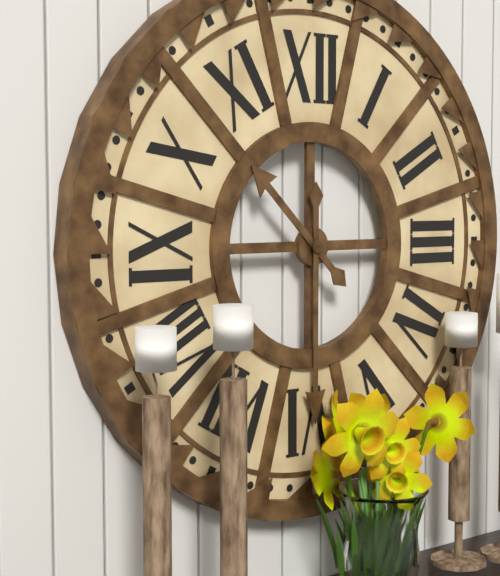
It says 10:30
